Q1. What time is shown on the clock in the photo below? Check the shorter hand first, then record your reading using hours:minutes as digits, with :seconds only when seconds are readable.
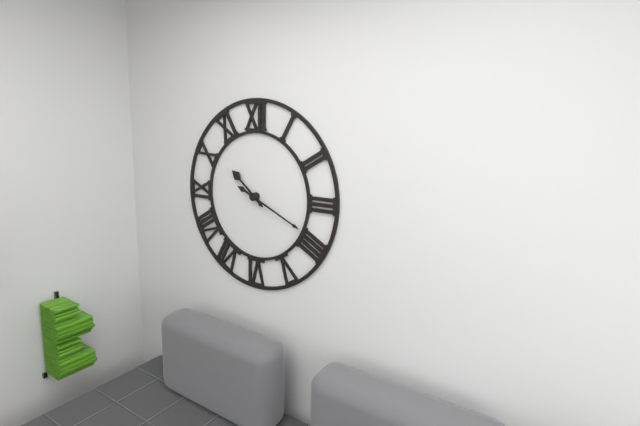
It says 10:19
